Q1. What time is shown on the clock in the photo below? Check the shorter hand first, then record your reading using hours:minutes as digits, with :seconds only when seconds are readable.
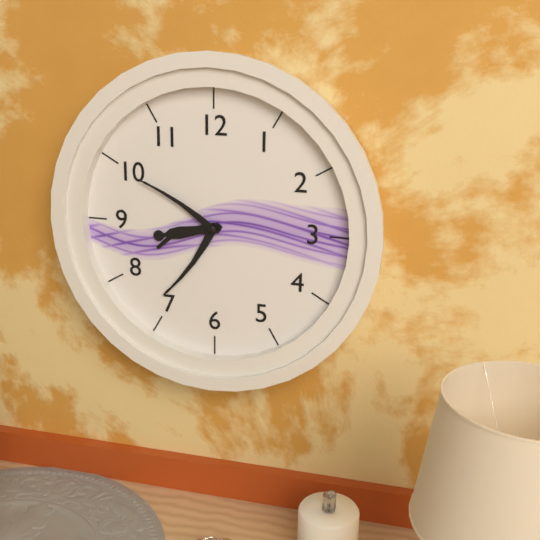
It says 8:36:50
